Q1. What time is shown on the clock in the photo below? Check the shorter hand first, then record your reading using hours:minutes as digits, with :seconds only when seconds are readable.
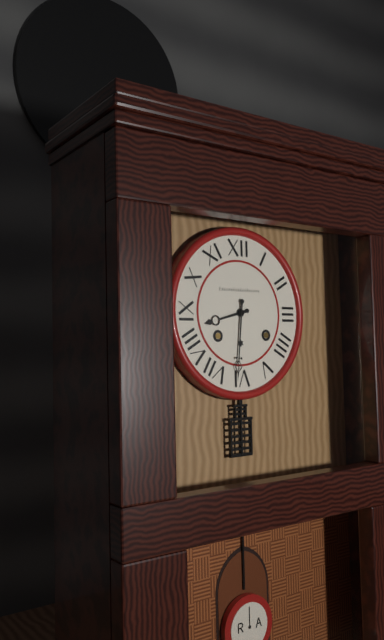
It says 8:31
